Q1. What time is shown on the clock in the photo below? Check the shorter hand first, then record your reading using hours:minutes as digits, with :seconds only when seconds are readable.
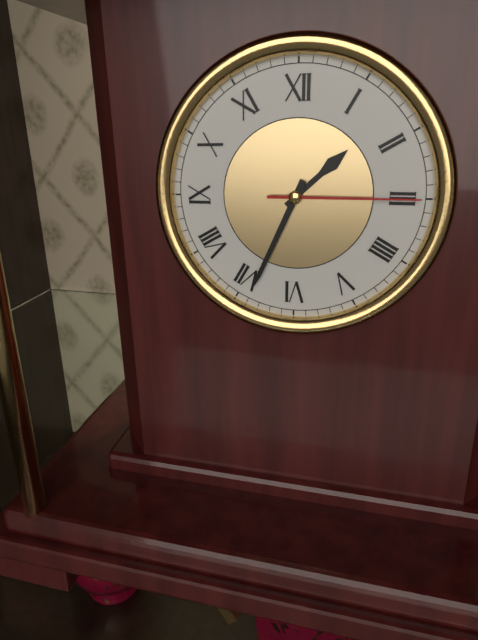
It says 1:34:15
